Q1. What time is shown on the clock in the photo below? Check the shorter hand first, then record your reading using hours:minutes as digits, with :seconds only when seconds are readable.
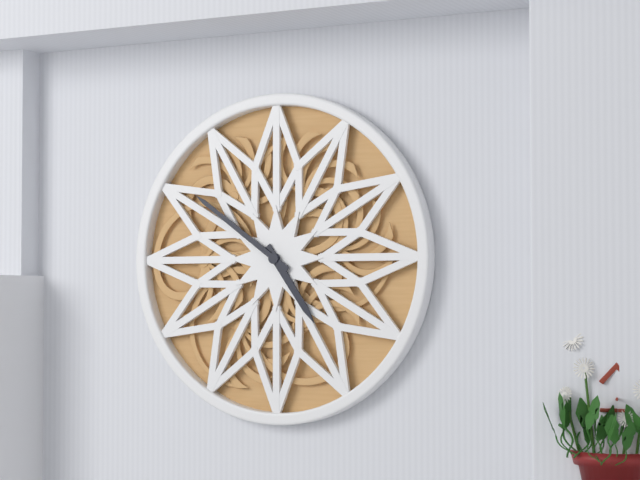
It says 4:51
